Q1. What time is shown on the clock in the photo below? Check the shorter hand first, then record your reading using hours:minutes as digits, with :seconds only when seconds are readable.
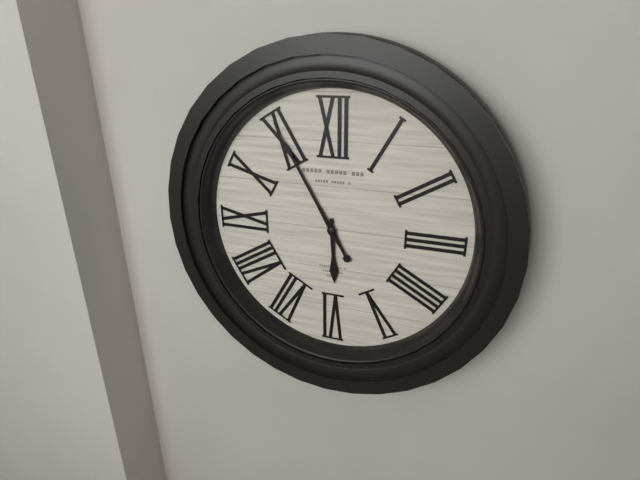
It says 5:55
